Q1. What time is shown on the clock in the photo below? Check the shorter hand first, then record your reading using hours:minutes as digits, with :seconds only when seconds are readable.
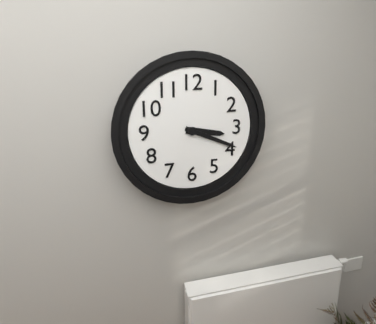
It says 3:19
